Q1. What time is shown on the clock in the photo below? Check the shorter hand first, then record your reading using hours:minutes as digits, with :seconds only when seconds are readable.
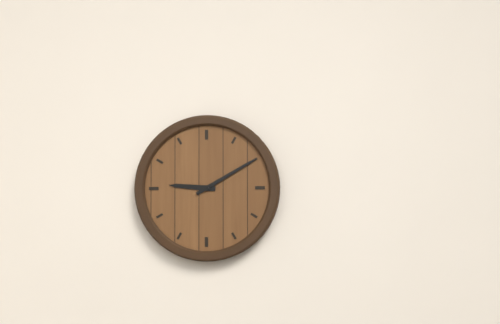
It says 9:10
